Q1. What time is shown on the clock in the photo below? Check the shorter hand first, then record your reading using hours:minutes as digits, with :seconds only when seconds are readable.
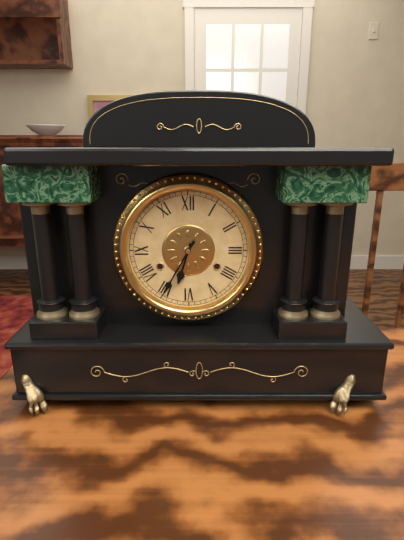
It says 6:35
